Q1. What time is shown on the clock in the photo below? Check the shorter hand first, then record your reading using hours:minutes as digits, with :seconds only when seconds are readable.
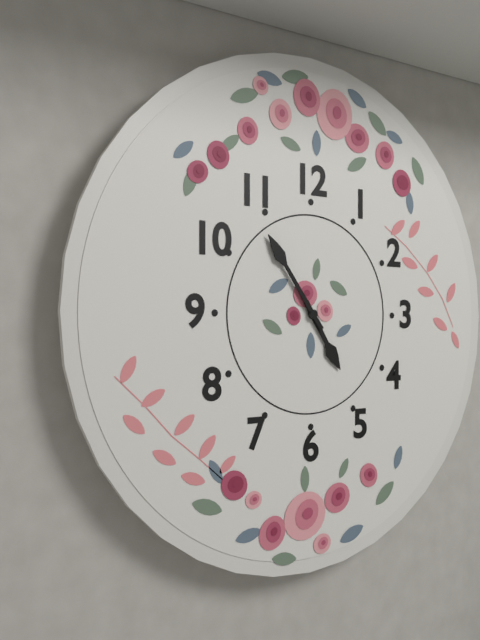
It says 4:54
